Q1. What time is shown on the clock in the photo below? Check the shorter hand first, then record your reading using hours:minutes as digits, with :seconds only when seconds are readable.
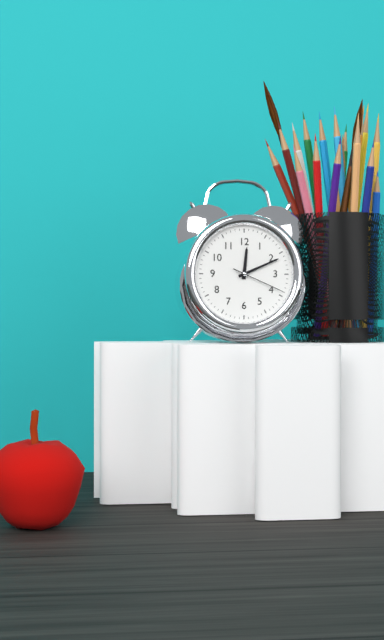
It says 12:11:19
